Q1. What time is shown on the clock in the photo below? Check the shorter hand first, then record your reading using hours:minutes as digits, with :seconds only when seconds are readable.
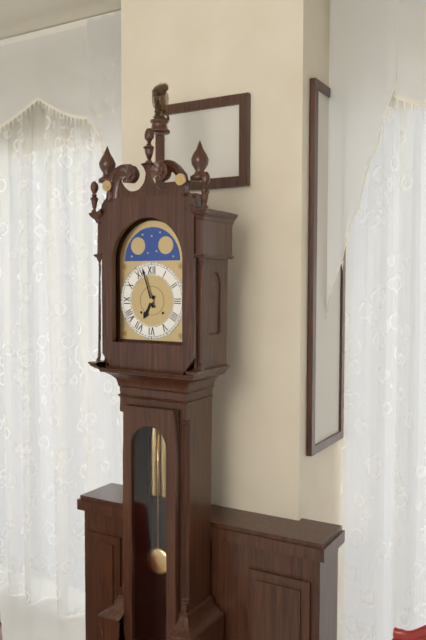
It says 6:57
